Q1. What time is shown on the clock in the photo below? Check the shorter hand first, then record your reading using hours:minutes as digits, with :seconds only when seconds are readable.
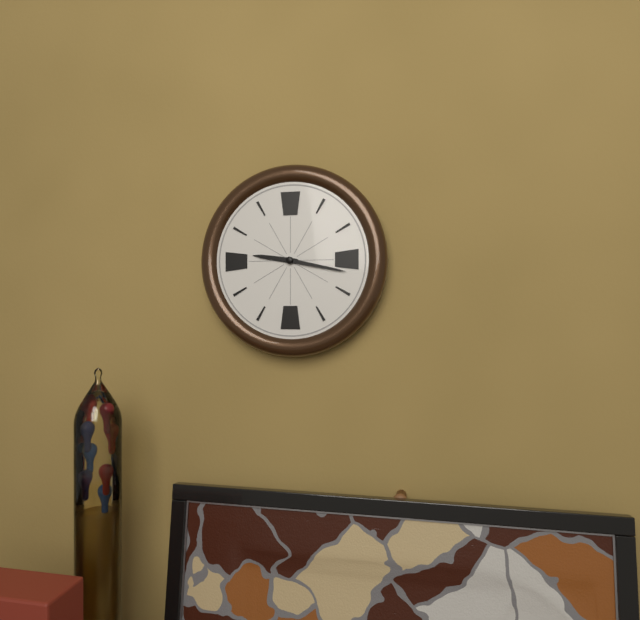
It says 9:17
